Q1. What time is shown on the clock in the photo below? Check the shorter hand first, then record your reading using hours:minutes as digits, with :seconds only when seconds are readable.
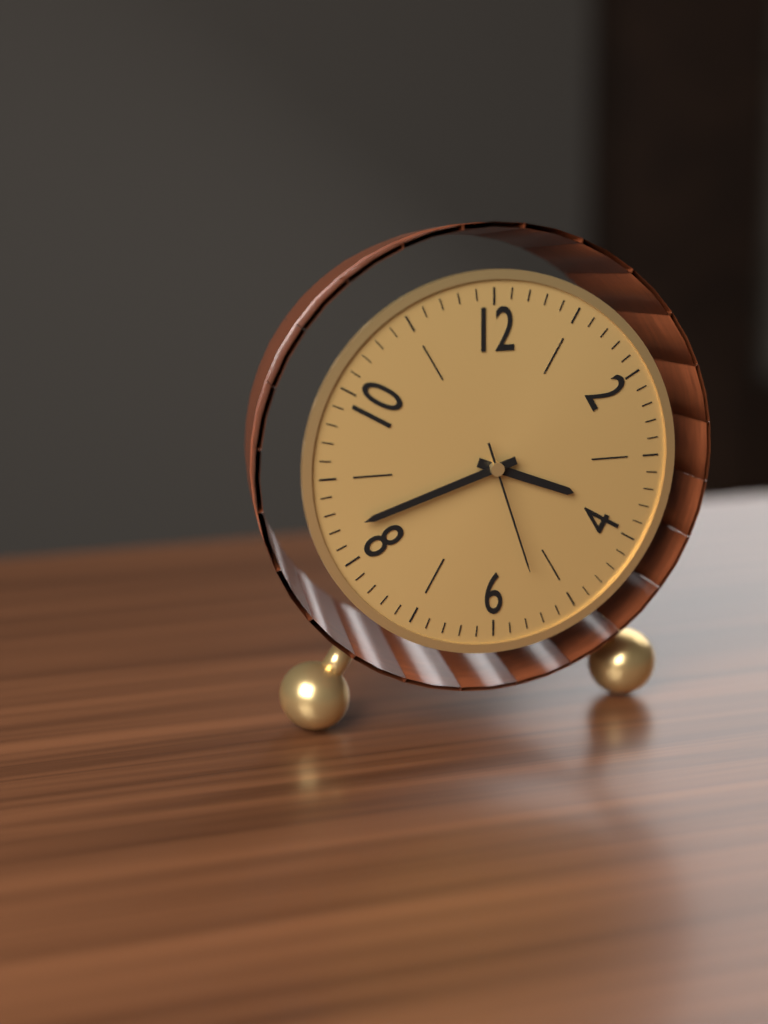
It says 3:42:27
